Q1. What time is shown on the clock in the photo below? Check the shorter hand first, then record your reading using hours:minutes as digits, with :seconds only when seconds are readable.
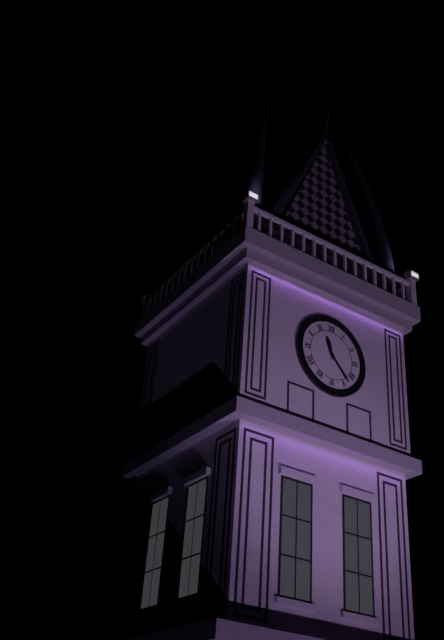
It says 11:23
